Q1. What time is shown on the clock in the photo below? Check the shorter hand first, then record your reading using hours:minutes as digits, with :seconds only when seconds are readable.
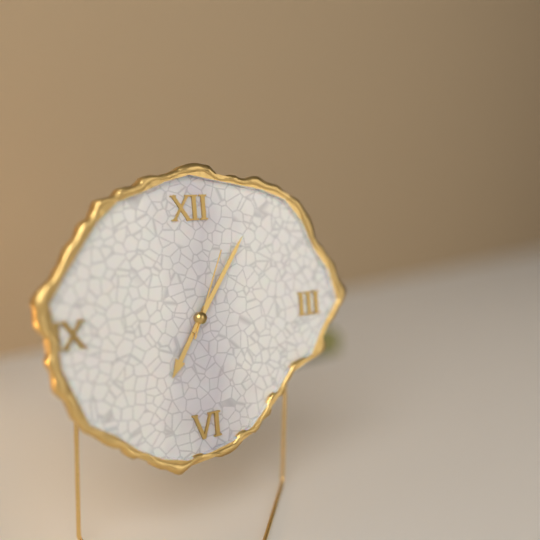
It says 7:06:04
